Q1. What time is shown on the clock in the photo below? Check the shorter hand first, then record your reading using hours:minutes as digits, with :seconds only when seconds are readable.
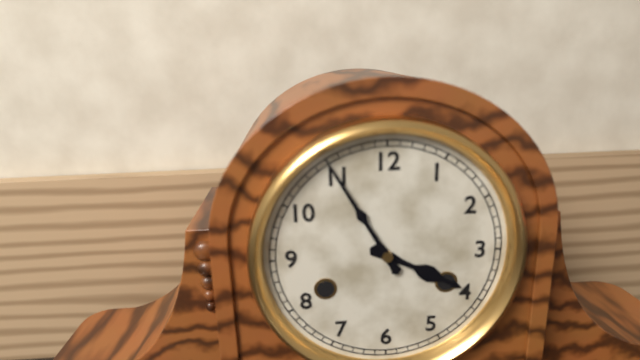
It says 3:55
